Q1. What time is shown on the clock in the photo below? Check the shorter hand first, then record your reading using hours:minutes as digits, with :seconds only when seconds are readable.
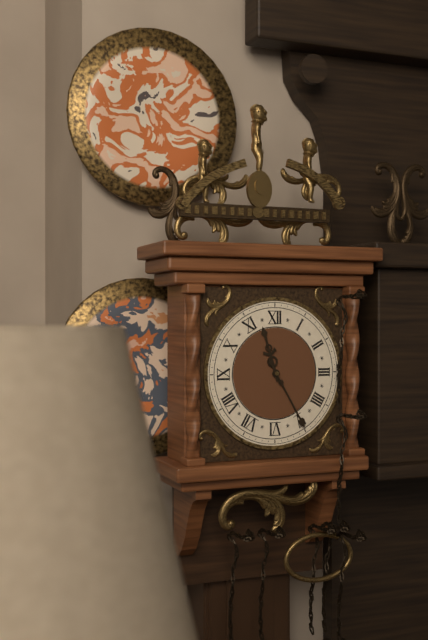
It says 11:25
